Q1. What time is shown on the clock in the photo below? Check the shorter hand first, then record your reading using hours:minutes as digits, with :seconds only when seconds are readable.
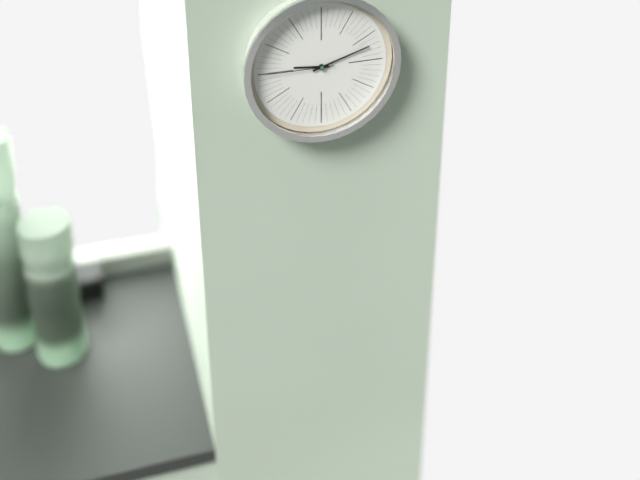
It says 9:12:45
